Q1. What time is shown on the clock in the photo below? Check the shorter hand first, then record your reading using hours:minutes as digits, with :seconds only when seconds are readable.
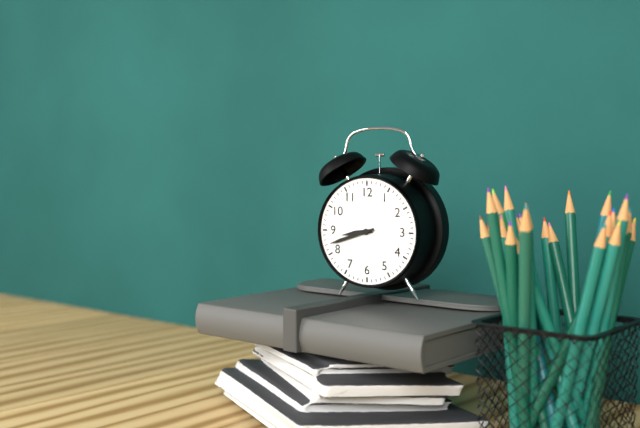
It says 8:42
